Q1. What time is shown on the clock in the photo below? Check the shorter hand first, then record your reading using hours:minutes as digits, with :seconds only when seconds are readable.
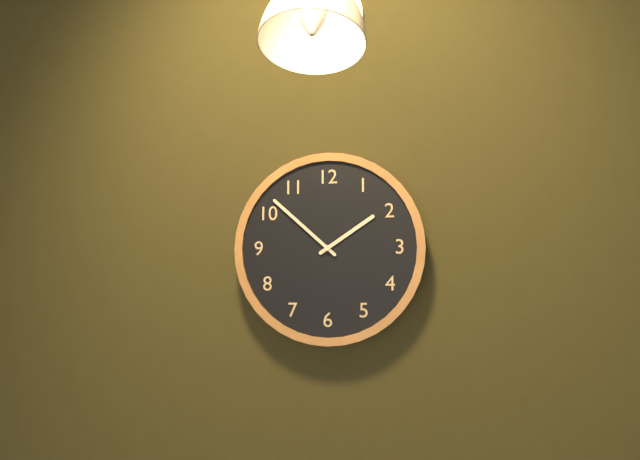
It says 1:52
